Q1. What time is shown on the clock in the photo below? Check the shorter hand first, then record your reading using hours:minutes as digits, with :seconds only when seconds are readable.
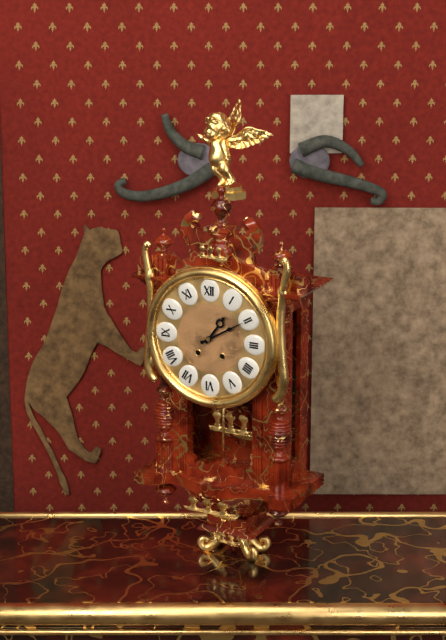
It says 1:10
